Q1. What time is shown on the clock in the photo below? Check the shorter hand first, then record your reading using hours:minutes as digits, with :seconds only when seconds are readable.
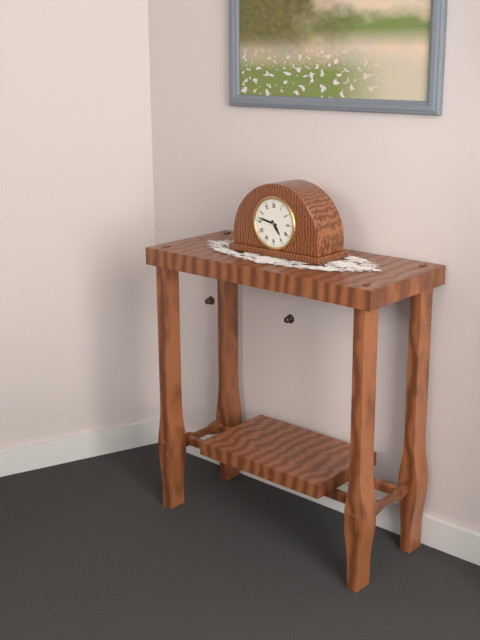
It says 4:47
